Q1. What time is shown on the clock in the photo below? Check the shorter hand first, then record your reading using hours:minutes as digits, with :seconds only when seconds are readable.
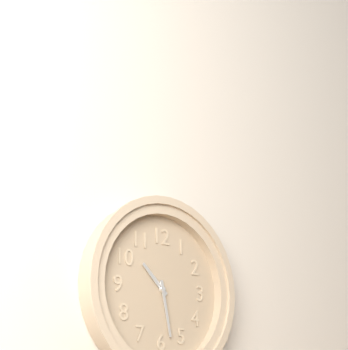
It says 10:28
